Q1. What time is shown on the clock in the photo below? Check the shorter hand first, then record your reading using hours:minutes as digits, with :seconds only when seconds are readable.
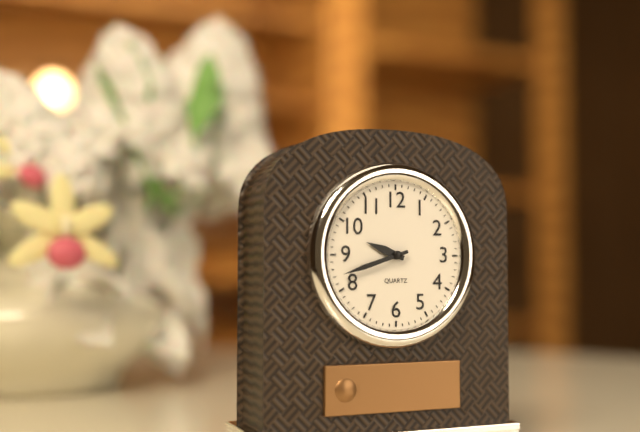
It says 9:42
